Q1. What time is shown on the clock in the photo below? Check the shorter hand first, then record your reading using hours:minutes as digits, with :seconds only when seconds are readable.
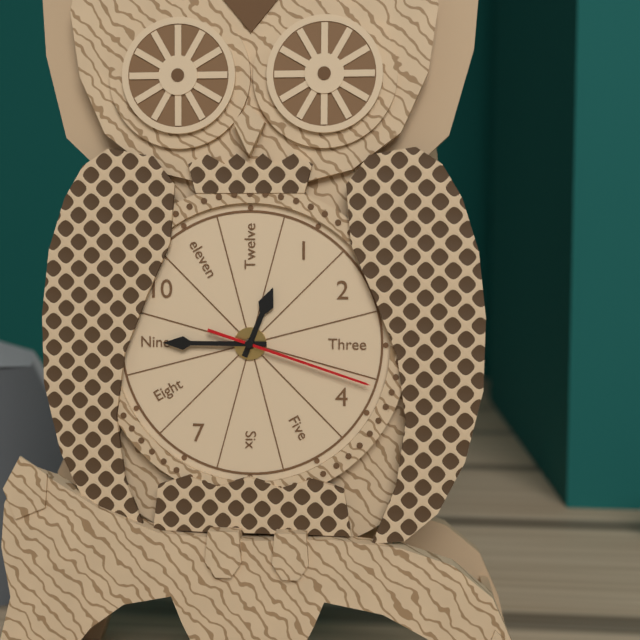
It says 12:45:18
